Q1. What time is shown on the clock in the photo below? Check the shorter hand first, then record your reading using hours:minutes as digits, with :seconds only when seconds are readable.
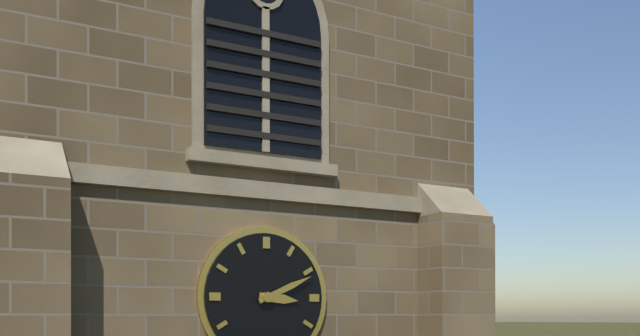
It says 3:11
